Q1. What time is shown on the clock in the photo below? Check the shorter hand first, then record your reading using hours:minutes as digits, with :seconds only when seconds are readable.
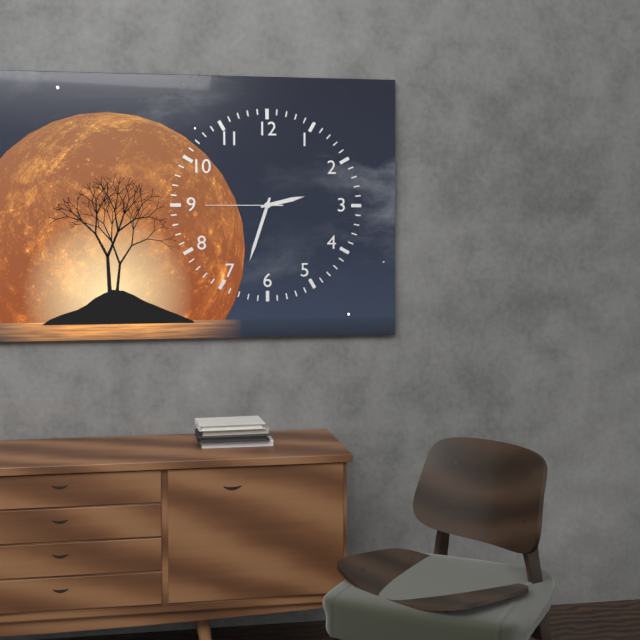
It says 2:33:45
